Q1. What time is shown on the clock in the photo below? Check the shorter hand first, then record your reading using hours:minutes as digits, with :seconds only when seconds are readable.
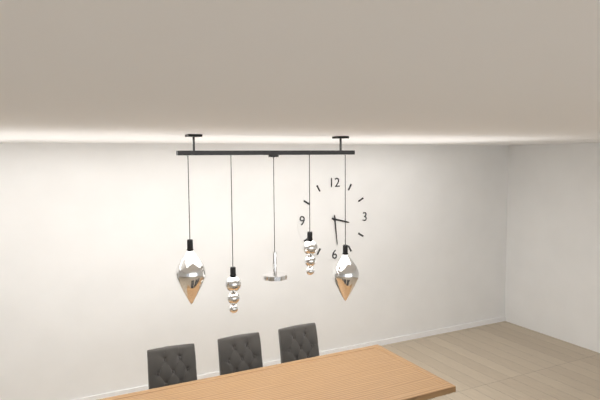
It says 3:29
